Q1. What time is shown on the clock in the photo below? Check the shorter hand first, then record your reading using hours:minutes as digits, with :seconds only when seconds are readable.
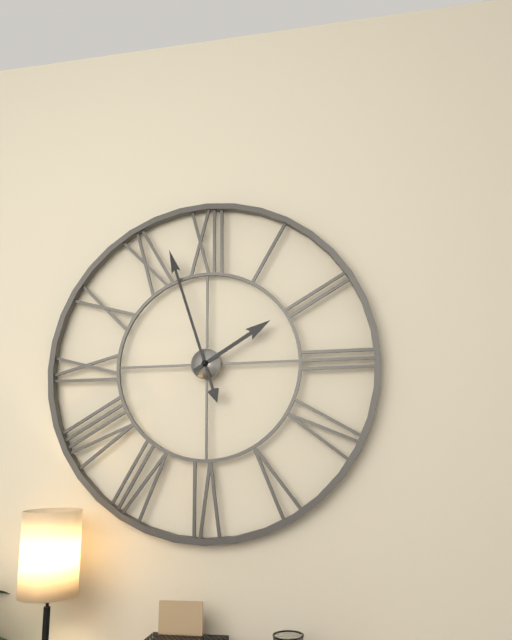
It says 1:57
